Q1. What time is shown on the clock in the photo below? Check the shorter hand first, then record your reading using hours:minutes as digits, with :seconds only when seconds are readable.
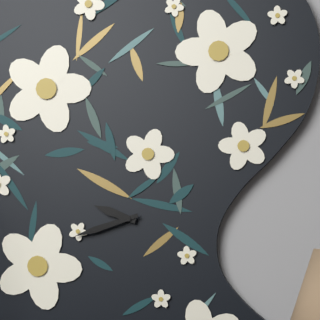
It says 9:42
